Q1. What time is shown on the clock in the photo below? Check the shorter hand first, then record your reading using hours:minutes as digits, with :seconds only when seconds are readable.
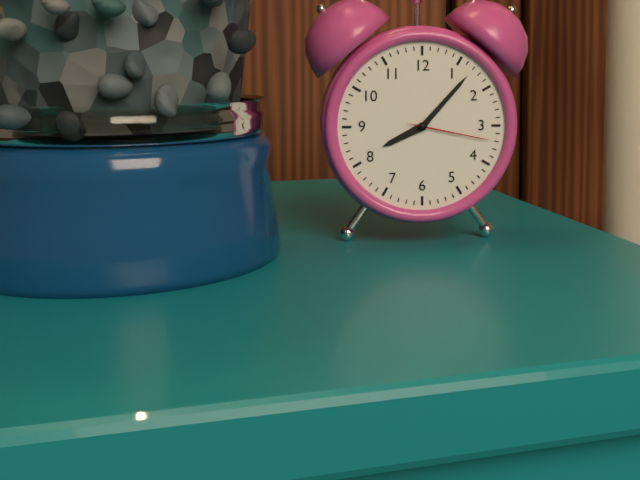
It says 8:07:17
